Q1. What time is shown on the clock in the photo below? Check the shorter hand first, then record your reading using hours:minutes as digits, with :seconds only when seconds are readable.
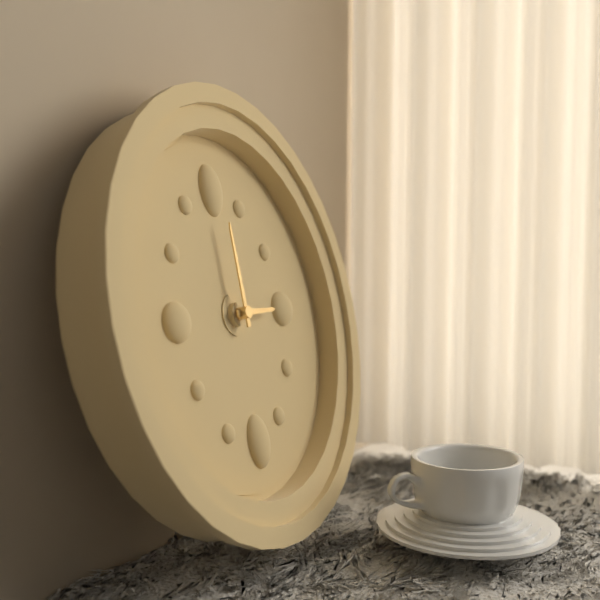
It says 3:00
